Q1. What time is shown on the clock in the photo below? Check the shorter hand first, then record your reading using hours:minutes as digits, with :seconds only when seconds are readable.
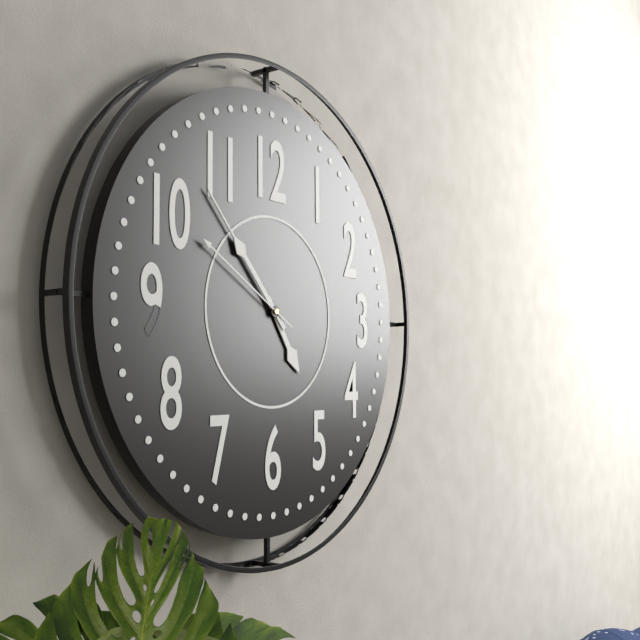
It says 4:53:50
